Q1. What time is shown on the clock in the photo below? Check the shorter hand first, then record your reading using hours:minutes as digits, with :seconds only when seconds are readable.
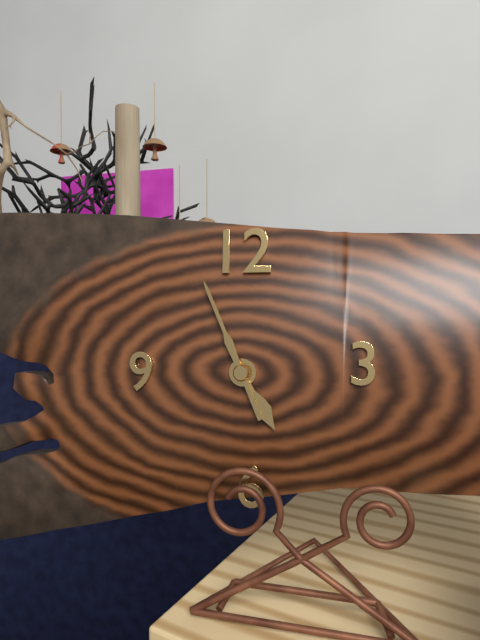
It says 4:56
